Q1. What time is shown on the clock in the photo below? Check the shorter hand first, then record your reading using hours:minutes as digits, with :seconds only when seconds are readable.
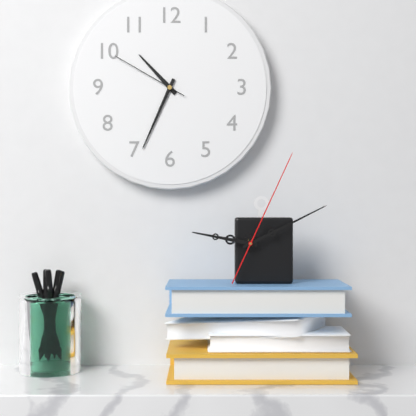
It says 10:34:50
